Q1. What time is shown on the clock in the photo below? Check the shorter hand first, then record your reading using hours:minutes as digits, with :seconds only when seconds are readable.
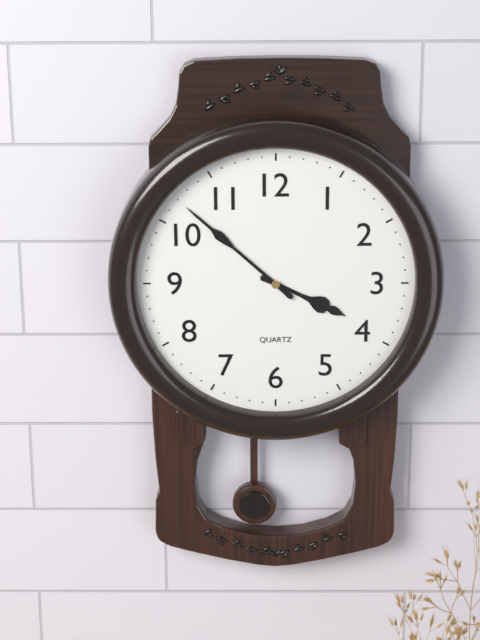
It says 3:52
